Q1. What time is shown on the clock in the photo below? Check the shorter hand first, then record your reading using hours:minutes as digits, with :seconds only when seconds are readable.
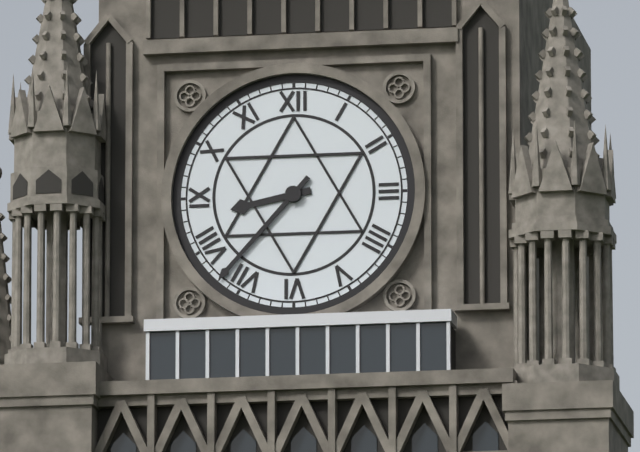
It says 8:37
